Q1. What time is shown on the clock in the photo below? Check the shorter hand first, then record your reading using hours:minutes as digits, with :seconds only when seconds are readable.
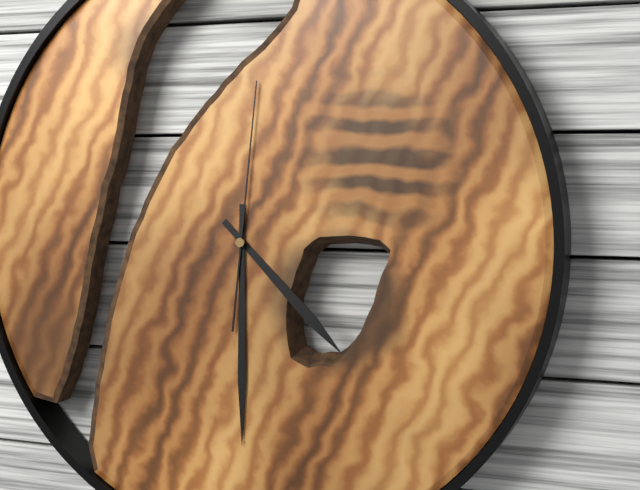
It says 4:30:01
